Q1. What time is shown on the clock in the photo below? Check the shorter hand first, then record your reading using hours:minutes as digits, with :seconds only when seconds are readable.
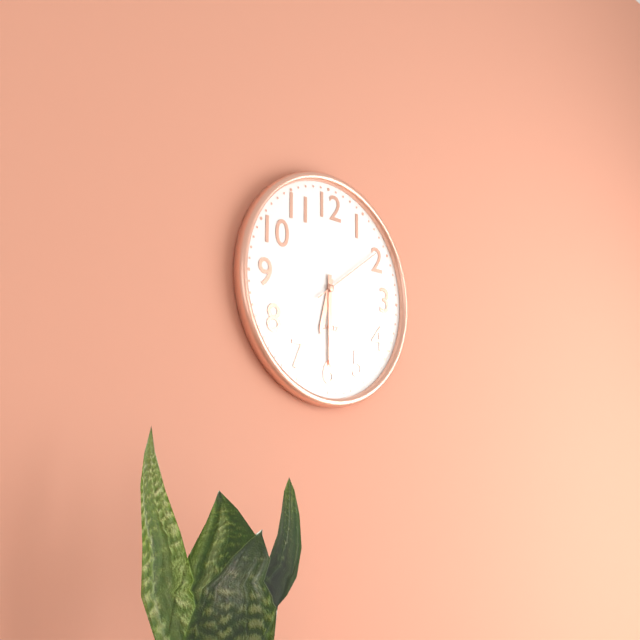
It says 6:30:09
